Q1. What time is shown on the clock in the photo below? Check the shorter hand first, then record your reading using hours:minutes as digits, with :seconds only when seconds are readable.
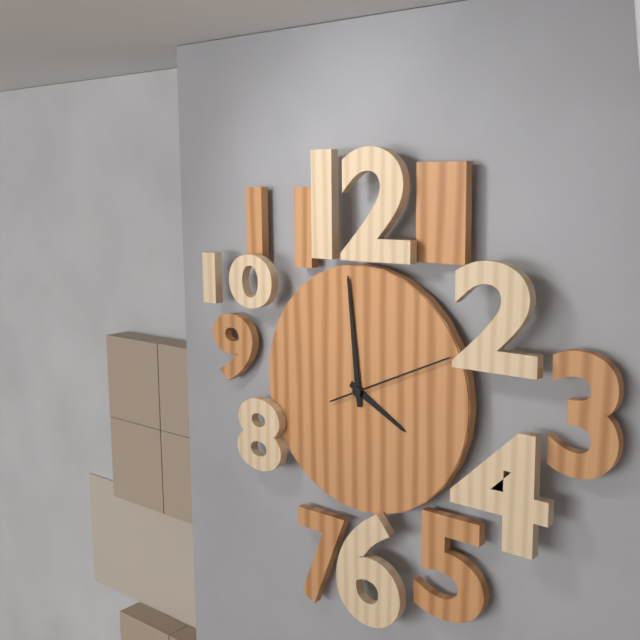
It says 3:59:11
